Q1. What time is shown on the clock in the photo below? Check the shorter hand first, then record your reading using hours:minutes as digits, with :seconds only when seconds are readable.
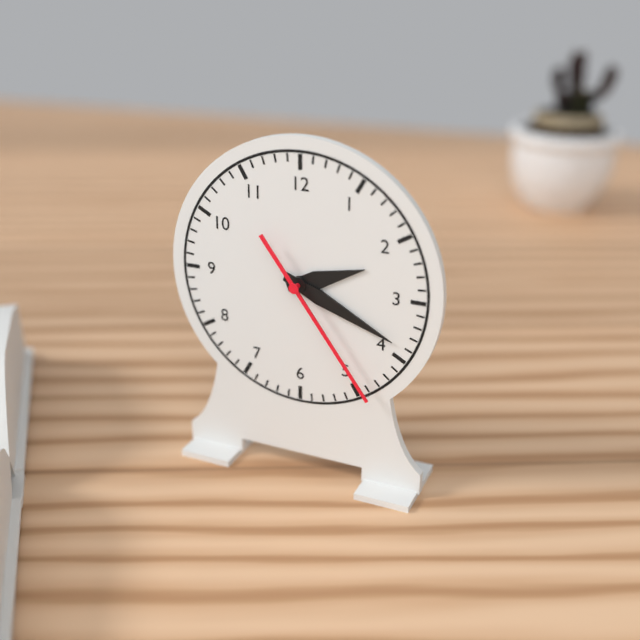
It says 2:19:24
